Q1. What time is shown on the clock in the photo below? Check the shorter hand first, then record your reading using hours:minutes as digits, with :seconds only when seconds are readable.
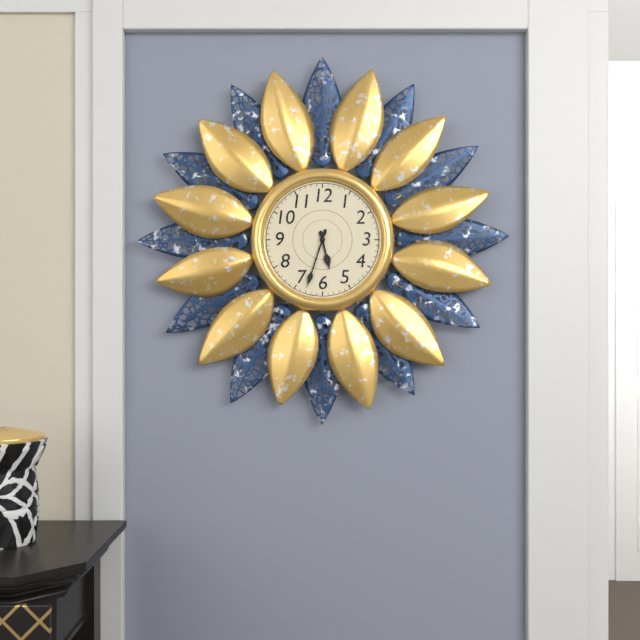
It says 5:33
